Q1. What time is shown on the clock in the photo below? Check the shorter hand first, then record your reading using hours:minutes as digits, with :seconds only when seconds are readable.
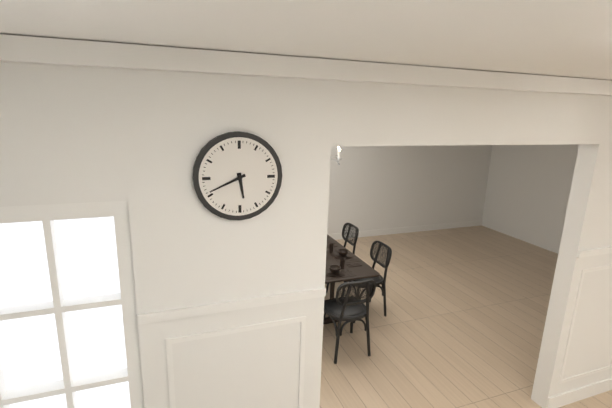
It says 5:41
